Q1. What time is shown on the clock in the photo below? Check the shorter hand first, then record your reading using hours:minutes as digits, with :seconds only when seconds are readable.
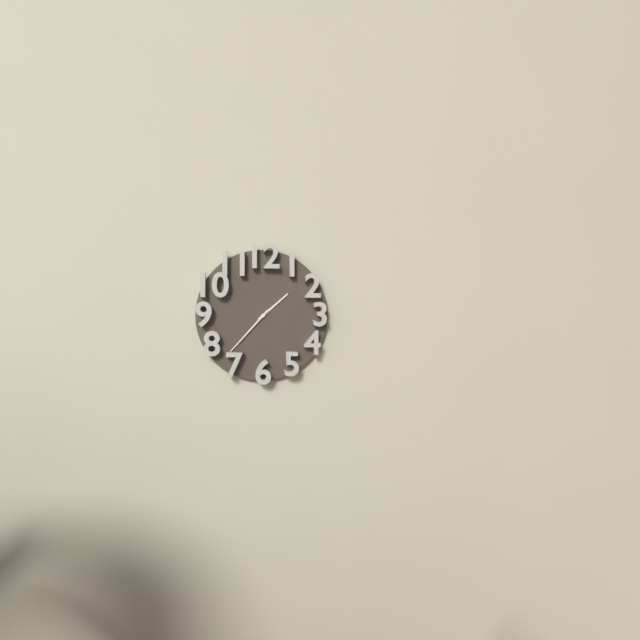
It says 1:37
